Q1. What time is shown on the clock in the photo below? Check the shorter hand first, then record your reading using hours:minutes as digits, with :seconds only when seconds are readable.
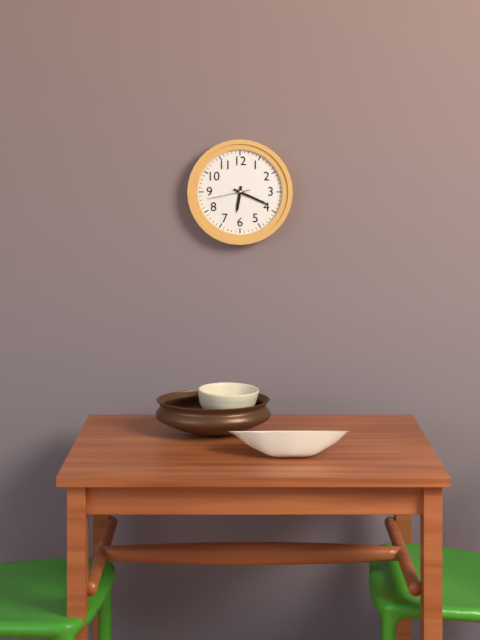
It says 6:19
